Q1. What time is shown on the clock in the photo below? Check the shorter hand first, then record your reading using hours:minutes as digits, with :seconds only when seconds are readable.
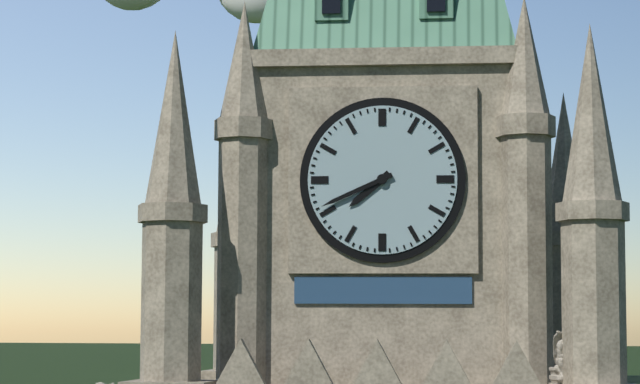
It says 7:41
